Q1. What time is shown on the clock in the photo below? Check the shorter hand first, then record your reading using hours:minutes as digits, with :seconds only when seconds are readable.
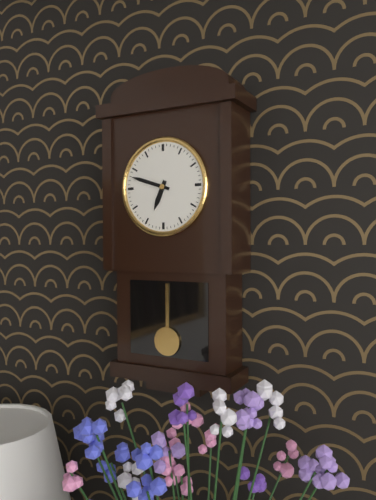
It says 6:48
